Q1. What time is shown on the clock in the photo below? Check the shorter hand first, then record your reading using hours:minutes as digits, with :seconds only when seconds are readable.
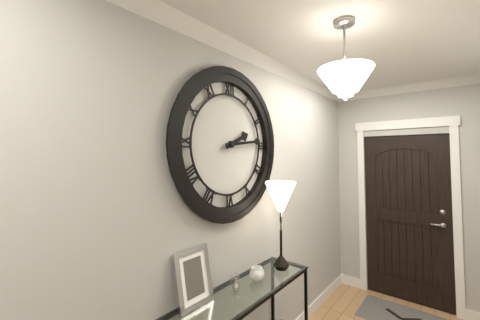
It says 2:14
